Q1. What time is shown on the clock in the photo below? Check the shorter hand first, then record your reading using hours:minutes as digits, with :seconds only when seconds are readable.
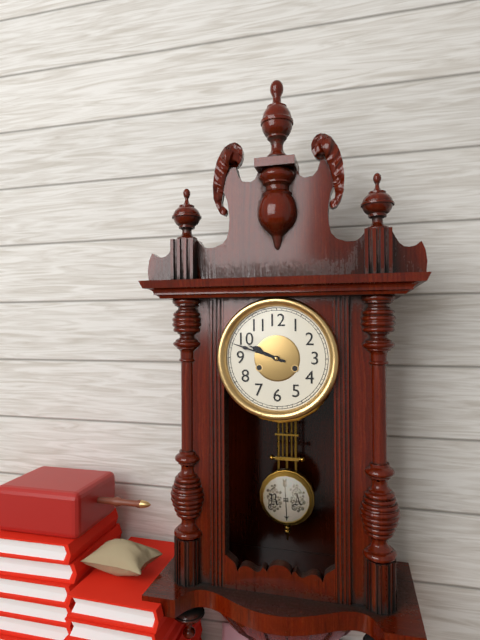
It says 9:48
